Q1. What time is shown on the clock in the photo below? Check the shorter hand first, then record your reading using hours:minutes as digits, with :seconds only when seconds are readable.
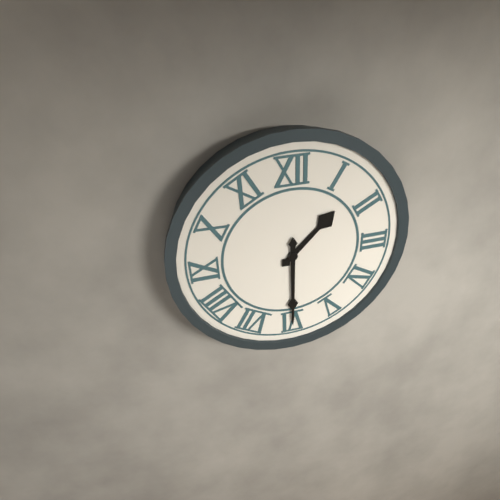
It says 1:30
